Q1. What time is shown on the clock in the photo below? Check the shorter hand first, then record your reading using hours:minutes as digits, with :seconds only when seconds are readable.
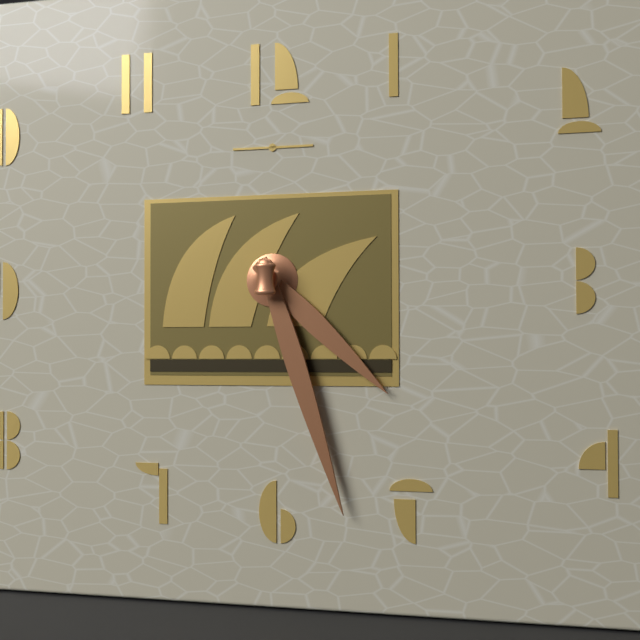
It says 4:27
